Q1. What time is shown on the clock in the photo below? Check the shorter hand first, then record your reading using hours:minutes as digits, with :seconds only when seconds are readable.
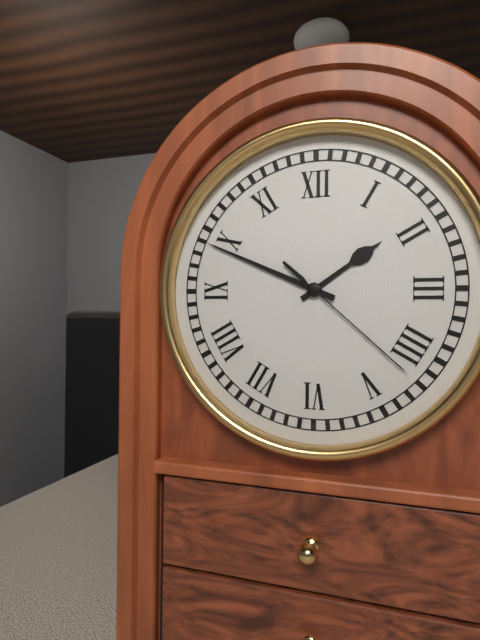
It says 1:49:22
